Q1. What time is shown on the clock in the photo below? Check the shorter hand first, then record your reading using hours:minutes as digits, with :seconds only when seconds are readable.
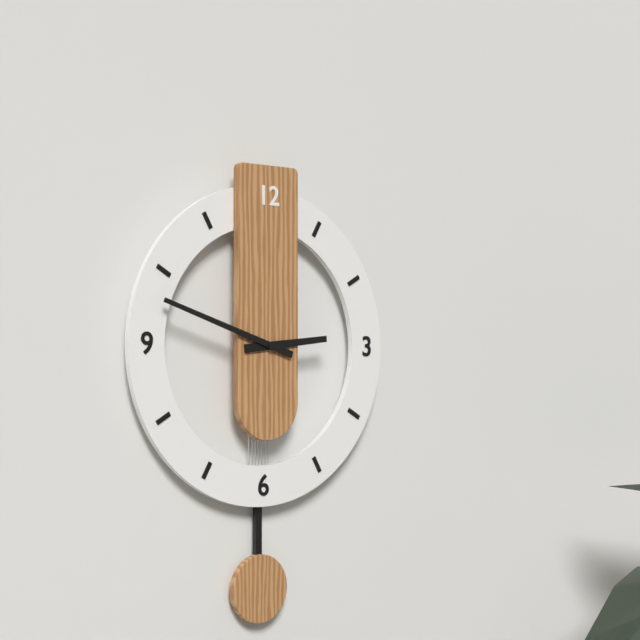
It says 2:48
